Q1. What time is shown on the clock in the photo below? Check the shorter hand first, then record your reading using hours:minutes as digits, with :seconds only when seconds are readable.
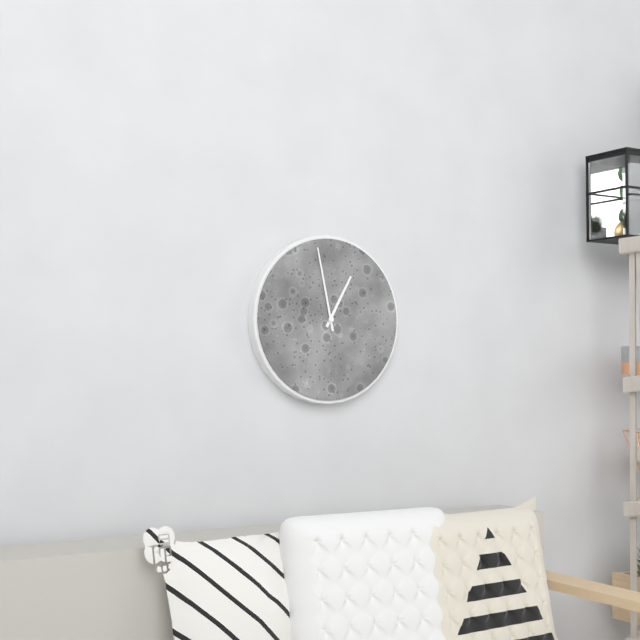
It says 12:58
